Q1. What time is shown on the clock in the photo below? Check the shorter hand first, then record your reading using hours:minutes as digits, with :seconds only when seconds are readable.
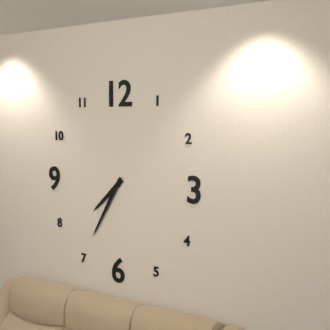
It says 7:35
